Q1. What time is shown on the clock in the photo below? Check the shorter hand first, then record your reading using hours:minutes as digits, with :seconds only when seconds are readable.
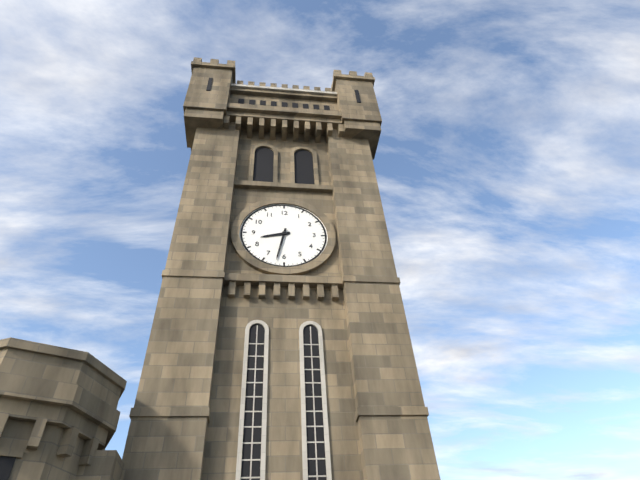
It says 8:32
